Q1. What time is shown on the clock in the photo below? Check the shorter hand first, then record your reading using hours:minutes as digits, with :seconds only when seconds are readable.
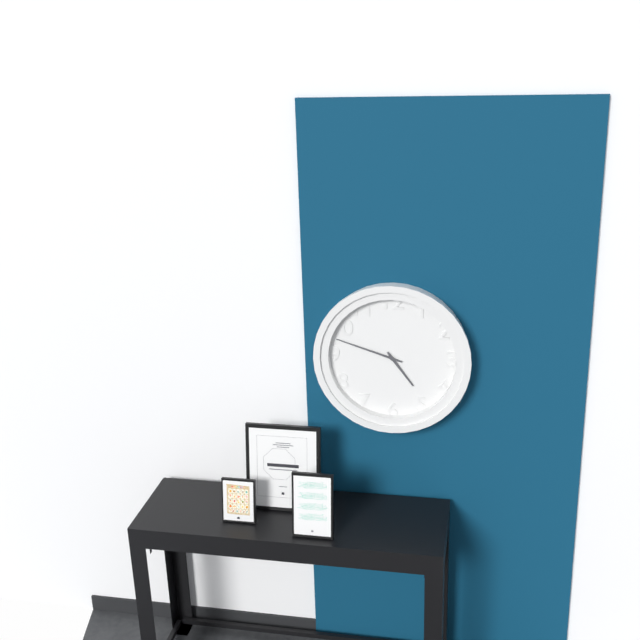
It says 4:48
